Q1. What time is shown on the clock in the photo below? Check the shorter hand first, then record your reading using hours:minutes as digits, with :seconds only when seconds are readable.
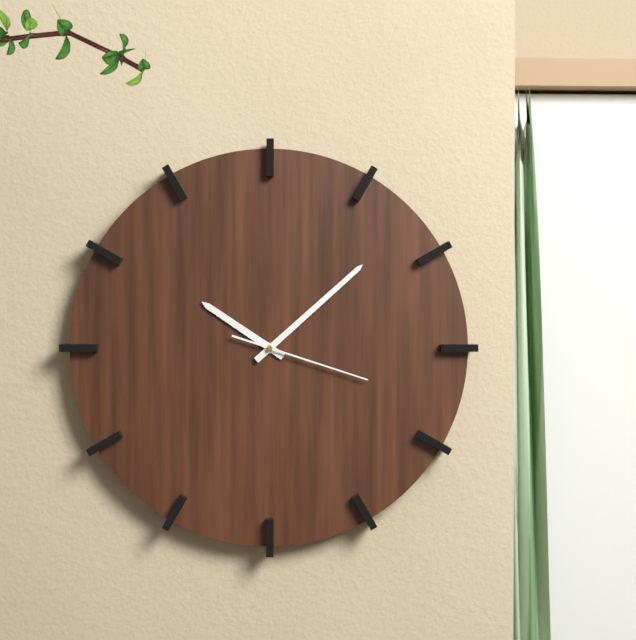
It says 10:08:18
